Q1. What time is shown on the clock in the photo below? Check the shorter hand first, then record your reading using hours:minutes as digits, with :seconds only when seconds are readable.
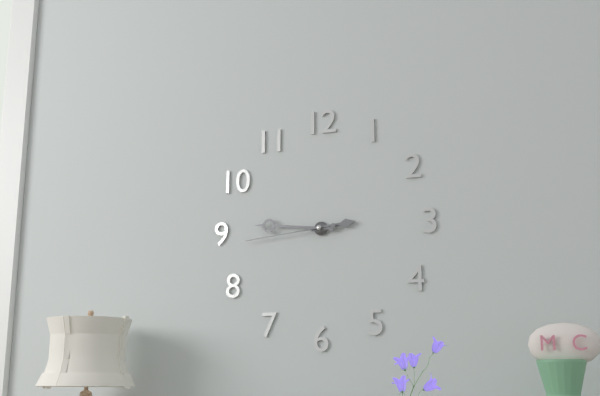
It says 2:46:44
